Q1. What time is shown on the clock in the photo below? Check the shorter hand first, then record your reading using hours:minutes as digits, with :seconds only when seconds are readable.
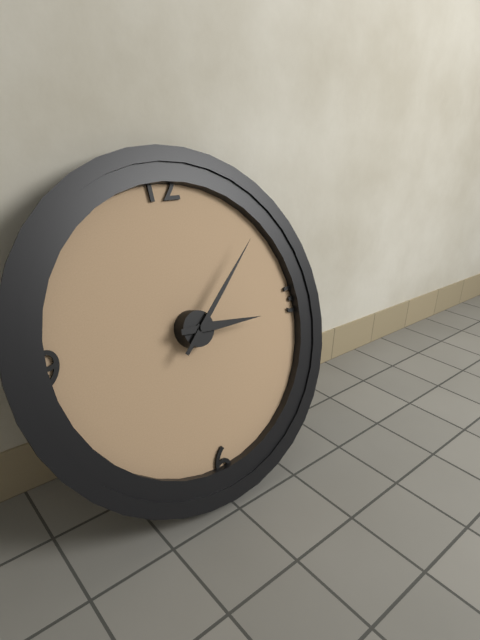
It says 3:08
